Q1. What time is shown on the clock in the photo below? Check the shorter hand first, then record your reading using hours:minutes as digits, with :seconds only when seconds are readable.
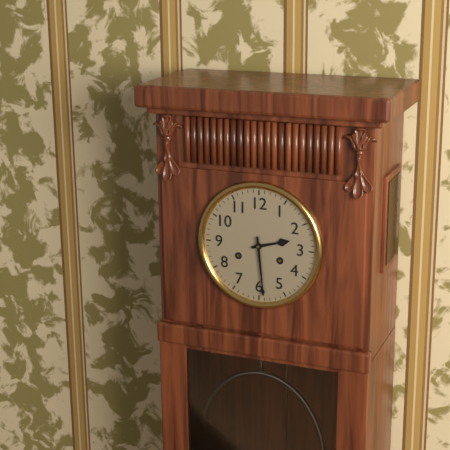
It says 2:29
